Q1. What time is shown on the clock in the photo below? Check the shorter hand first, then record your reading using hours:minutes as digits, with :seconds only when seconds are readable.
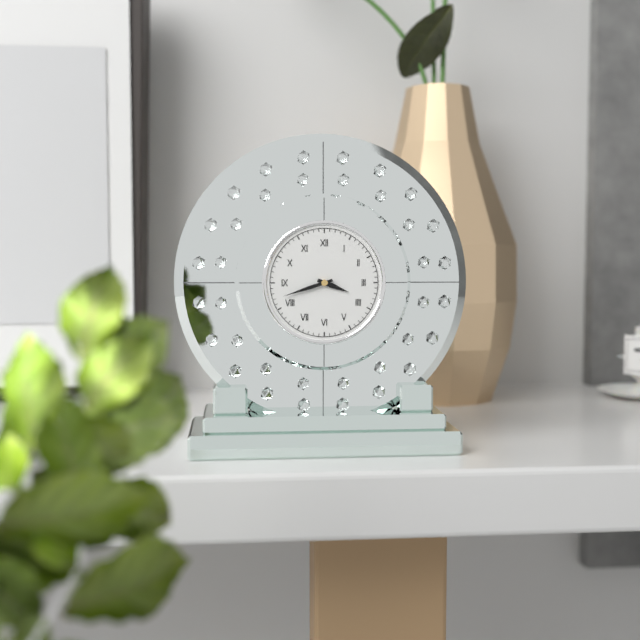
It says 3:42
